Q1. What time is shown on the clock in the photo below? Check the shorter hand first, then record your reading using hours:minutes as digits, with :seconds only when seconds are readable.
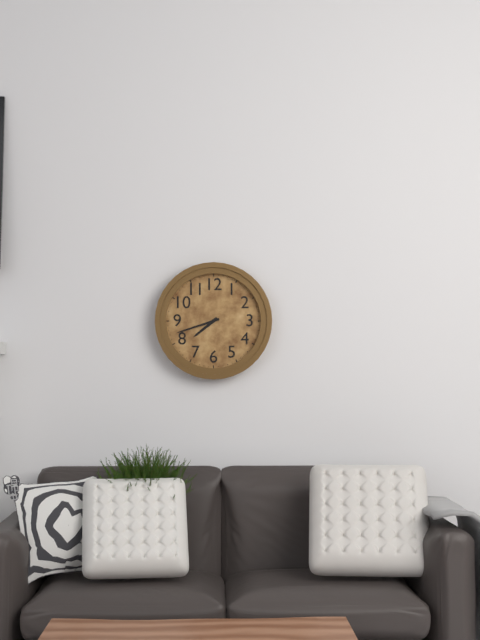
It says 7:42
